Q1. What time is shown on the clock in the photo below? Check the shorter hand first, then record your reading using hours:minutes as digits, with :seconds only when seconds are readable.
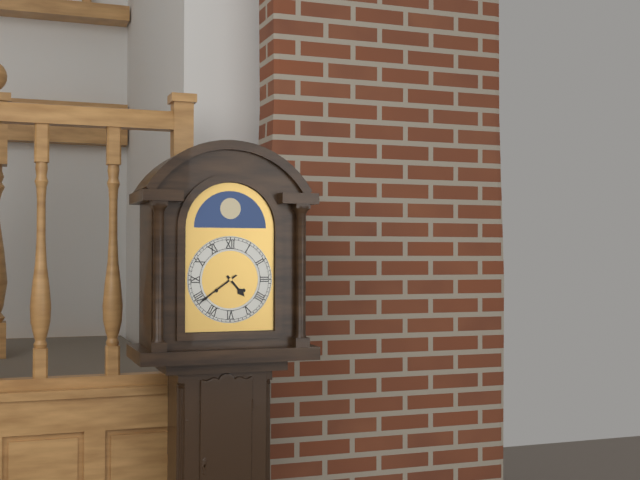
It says 4:39
